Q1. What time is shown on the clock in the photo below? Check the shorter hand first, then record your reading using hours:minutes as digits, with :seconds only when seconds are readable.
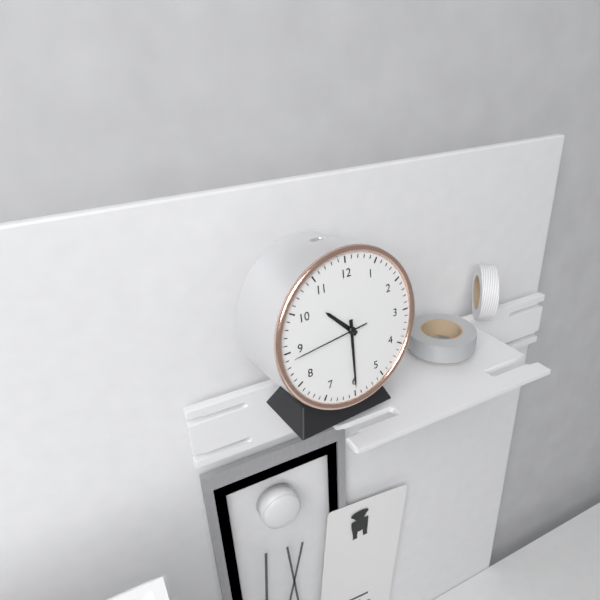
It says 10:30:44
